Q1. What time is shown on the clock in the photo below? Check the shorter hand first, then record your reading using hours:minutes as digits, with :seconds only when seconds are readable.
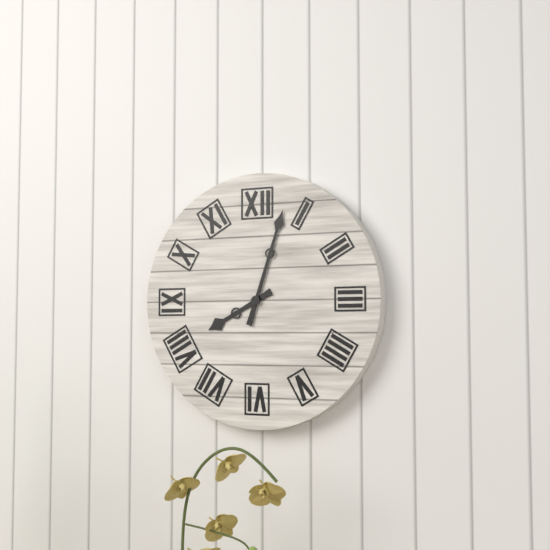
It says 8:03
